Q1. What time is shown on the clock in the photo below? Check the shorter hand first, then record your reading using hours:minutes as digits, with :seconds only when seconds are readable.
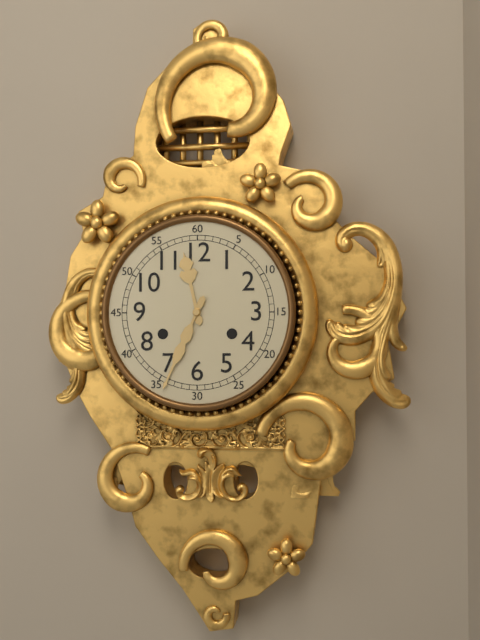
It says 11:34
